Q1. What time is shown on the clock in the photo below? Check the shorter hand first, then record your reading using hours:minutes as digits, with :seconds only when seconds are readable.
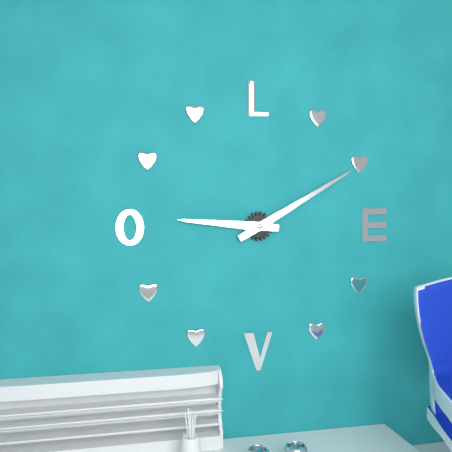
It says 9:10
